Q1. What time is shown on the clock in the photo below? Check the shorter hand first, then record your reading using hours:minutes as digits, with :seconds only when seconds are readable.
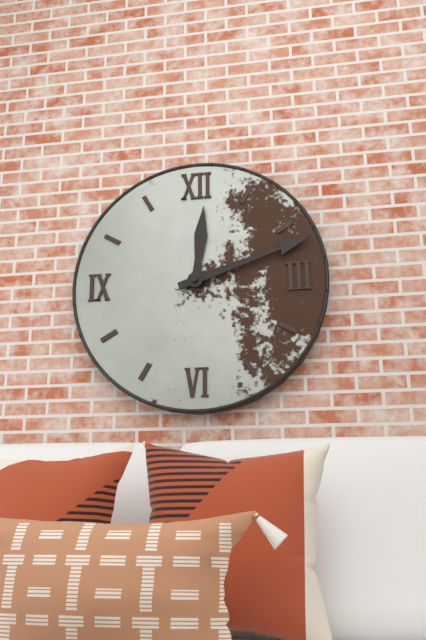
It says 12:12
